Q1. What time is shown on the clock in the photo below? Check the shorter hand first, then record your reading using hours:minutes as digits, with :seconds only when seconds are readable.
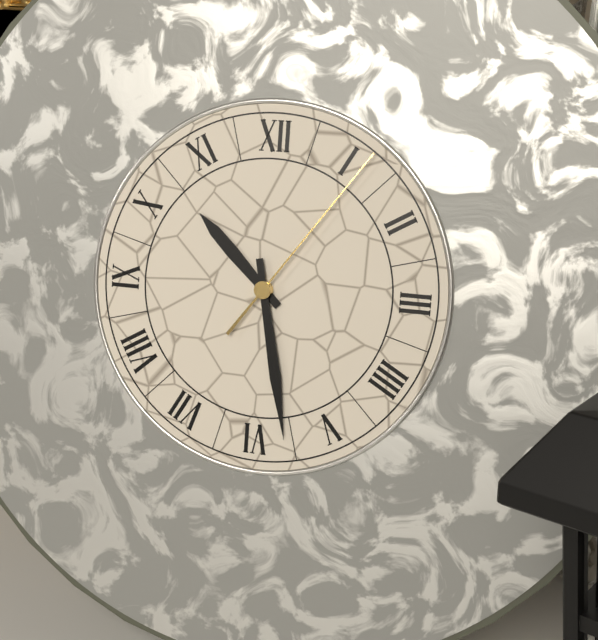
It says 10:28:06
